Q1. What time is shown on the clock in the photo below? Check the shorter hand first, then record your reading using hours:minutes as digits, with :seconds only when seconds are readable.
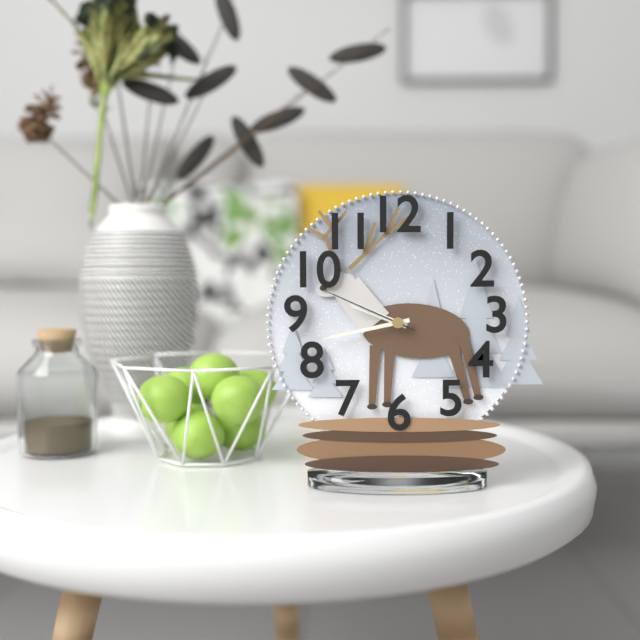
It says 9:43:49
